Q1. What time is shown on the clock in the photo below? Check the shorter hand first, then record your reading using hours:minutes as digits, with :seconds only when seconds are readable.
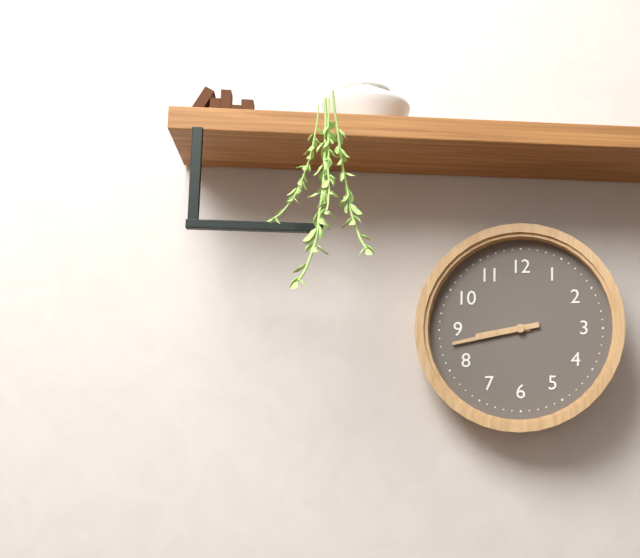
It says 8:43
